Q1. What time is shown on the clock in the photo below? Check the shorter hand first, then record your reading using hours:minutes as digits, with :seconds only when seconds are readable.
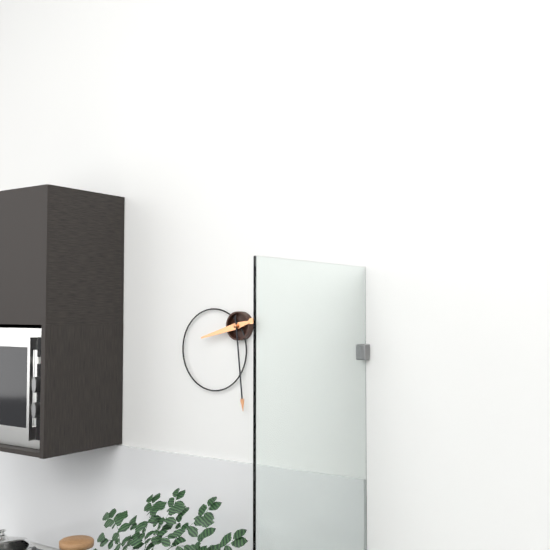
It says 8:29
